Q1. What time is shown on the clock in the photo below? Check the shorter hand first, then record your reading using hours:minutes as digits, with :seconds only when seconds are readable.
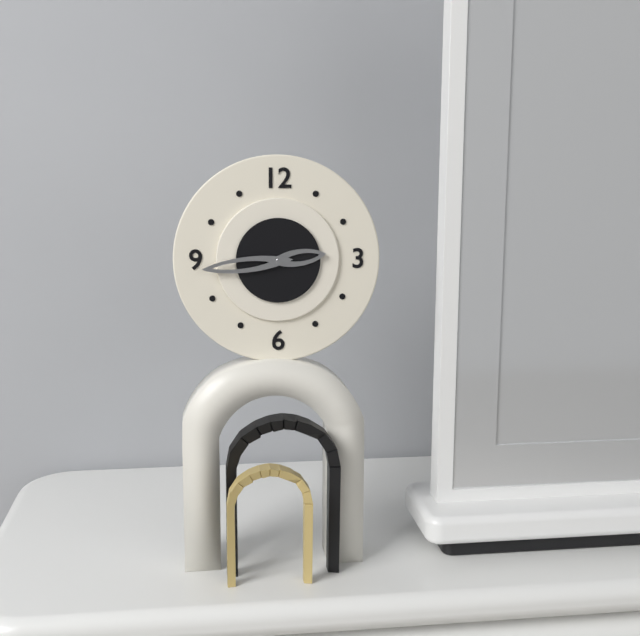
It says 2:44
